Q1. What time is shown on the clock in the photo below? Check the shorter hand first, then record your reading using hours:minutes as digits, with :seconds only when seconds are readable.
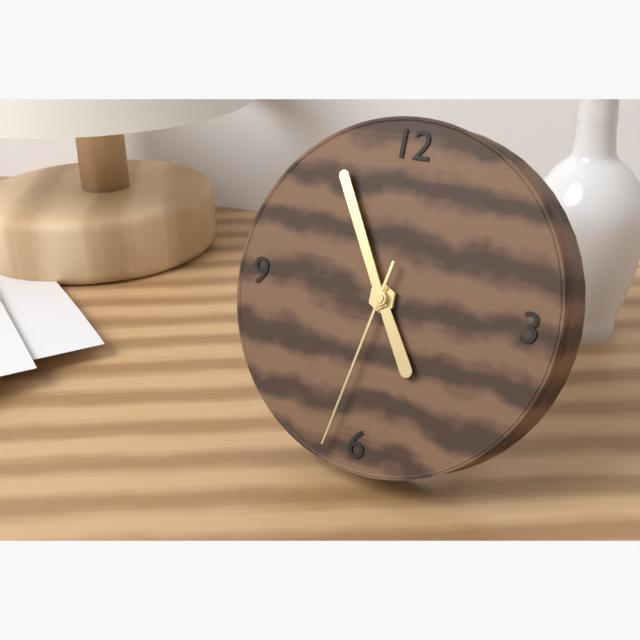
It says 4:55:32
